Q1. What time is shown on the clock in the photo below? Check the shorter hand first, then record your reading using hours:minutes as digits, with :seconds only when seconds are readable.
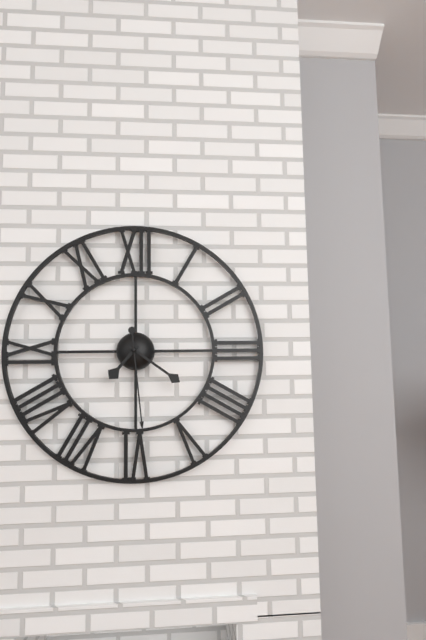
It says 7:21:29
